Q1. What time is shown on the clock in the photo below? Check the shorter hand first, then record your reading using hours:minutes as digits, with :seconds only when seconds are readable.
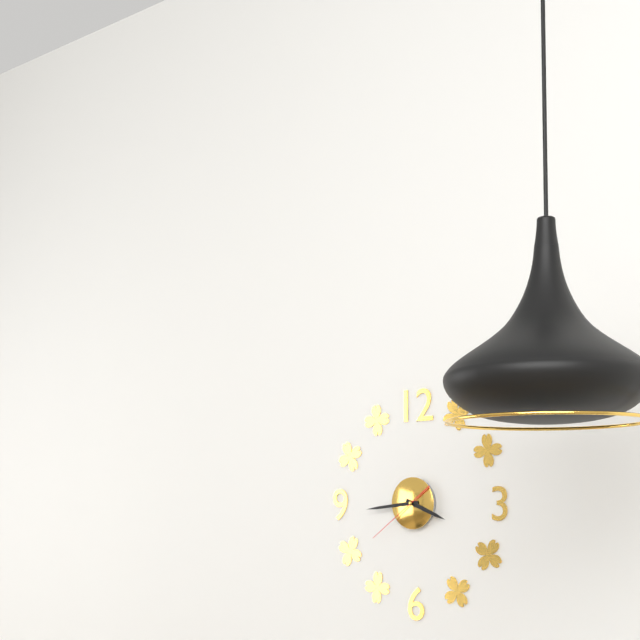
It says 3:44:39
